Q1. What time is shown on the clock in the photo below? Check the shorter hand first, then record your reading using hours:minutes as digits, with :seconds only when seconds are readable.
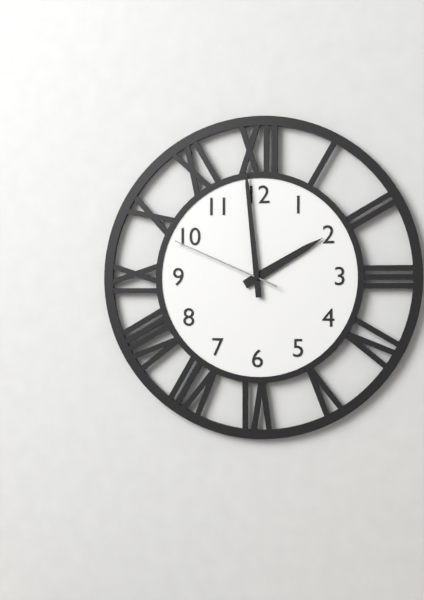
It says 1:59:49
